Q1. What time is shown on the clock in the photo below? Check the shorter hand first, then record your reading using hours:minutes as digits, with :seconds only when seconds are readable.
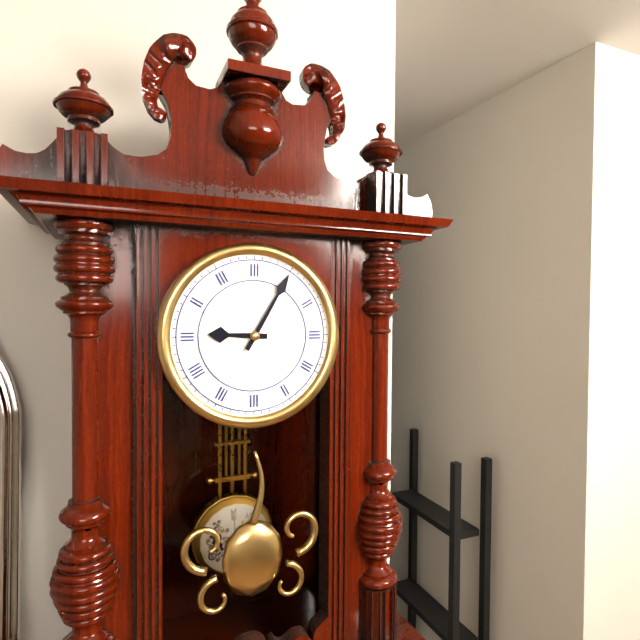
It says 9:05
